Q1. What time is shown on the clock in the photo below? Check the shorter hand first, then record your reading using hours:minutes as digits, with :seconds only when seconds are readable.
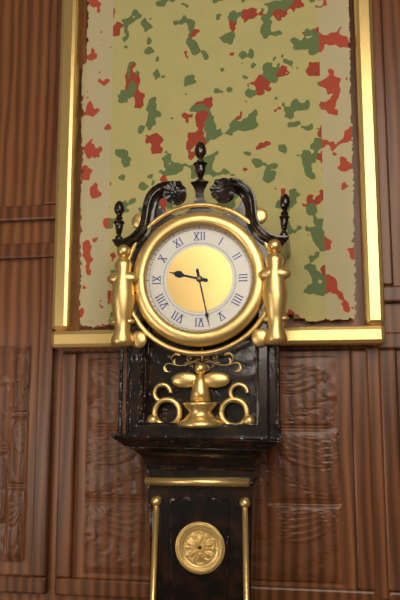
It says 9:28
